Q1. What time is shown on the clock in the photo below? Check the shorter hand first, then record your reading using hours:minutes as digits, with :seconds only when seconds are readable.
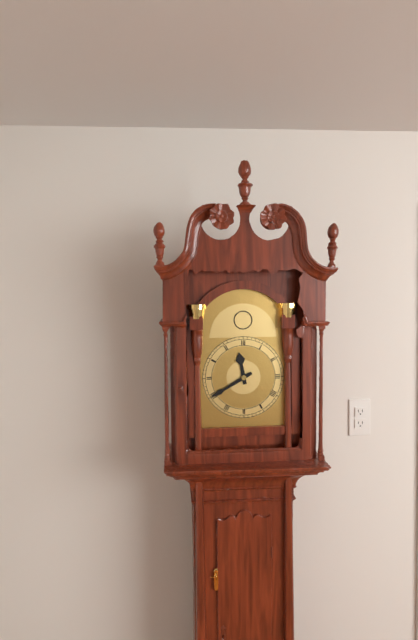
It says 11:40
